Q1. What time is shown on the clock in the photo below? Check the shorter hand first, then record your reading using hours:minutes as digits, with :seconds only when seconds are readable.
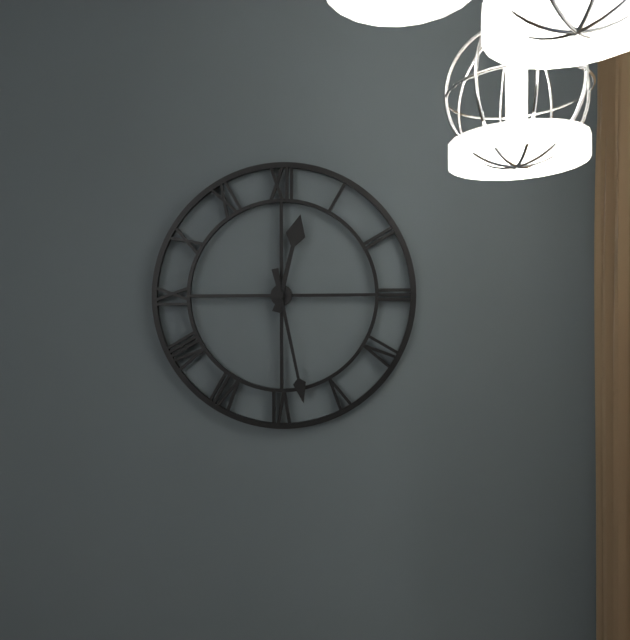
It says 12:28
